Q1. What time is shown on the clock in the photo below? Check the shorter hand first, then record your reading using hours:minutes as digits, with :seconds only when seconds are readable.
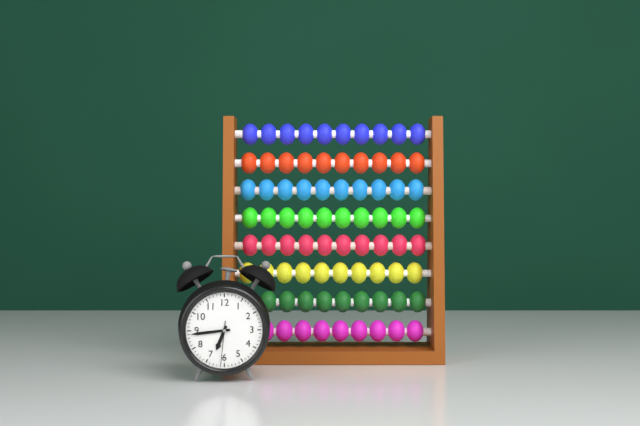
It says 6:44
